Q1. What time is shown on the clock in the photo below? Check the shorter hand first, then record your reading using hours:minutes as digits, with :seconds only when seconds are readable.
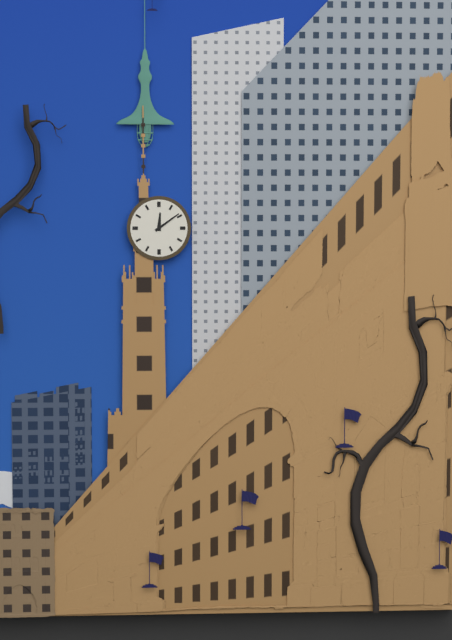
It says 12:09
